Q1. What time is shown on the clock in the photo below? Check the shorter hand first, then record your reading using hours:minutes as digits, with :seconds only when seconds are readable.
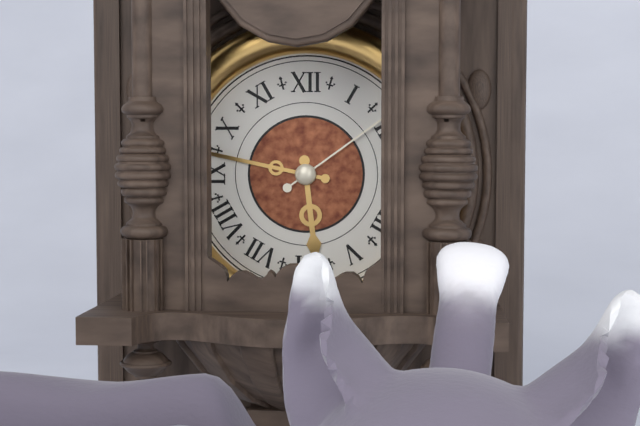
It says 5:47:09
